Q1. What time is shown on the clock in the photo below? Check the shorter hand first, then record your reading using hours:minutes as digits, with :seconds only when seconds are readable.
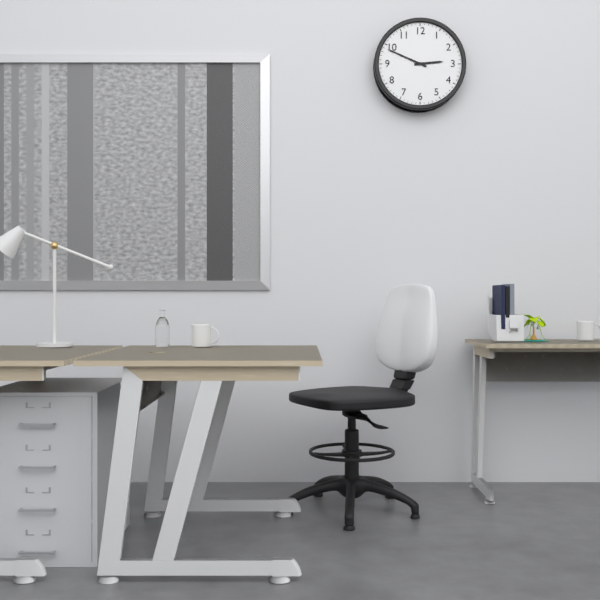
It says 2:49
